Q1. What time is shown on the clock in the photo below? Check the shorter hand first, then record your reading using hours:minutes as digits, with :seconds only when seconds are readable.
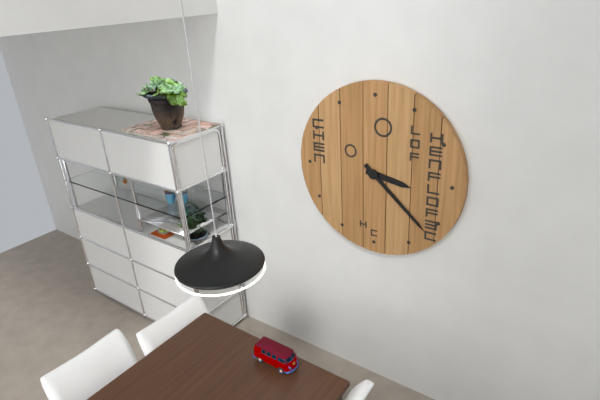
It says 3:22
